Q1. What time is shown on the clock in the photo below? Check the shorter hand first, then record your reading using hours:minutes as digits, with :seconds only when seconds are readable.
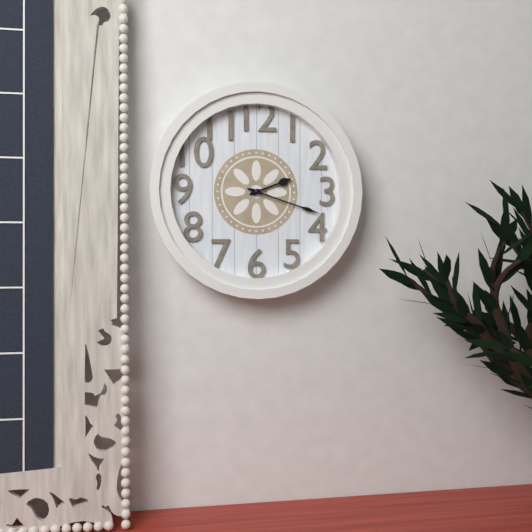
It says 2:18
